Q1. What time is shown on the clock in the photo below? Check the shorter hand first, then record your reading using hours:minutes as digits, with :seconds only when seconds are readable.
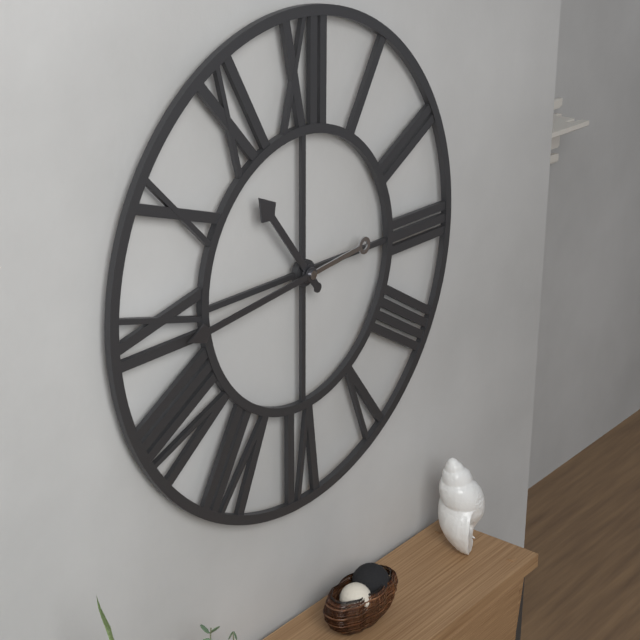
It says 10:44
